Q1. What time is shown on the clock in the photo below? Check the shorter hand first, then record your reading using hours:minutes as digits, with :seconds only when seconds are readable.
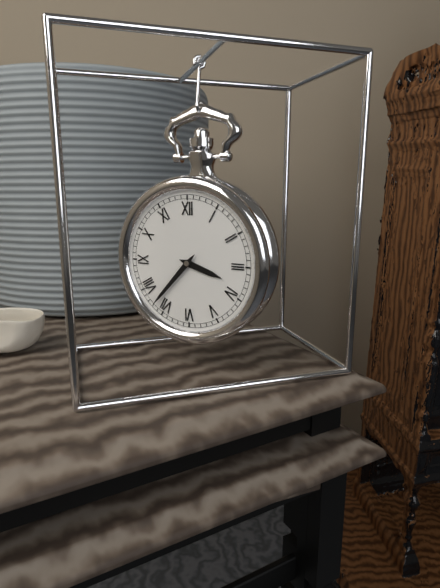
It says 3:37
